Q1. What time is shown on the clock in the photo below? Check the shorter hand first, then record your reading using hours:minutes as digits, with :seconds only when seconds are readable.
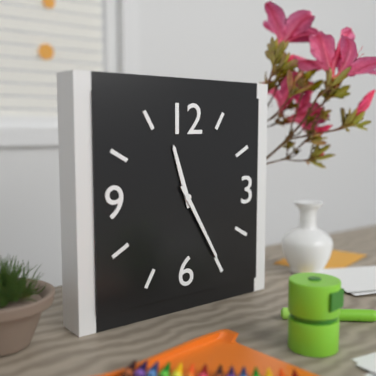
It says 11:25
